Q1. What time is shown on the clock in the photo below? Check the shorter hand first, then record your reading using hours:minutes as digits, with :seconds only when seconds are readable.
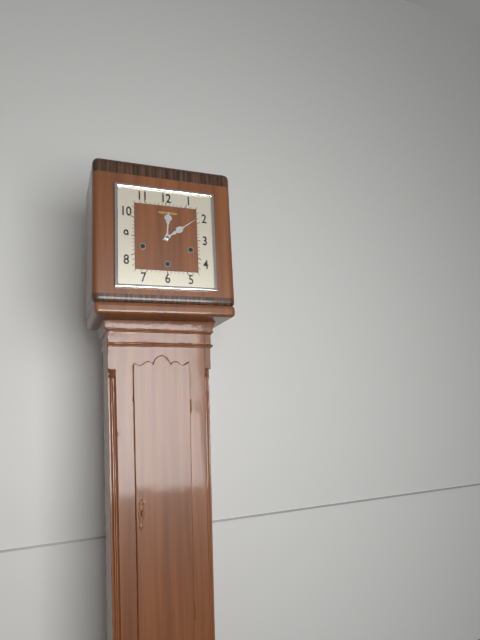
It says 12:09
